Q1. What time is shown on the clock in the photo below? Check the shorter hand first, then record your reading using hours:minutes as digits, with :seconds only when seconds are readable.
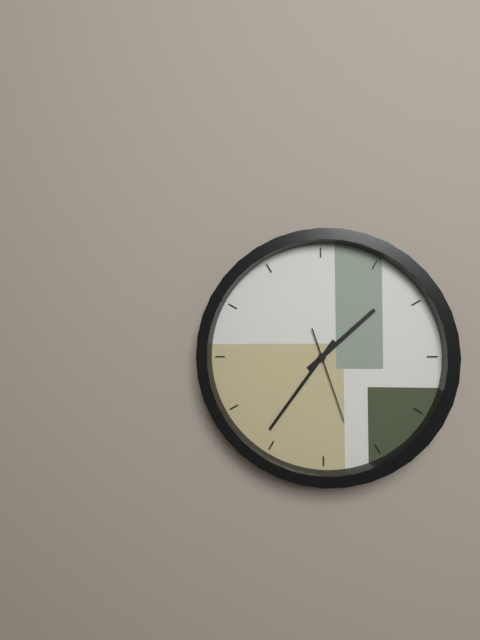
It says 1:36:27
